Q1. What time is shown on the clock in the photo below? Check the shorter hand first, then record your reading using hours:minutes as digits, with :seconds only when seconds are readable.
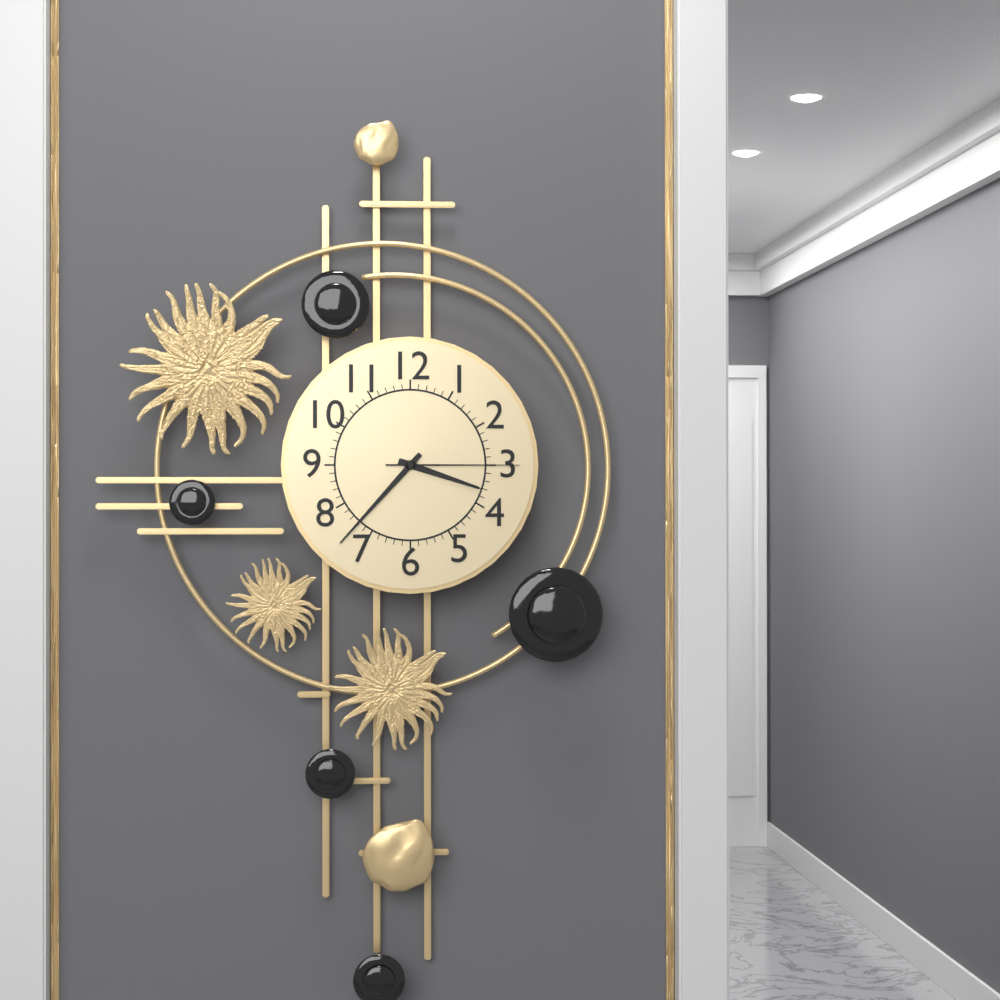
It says 3:37:15
